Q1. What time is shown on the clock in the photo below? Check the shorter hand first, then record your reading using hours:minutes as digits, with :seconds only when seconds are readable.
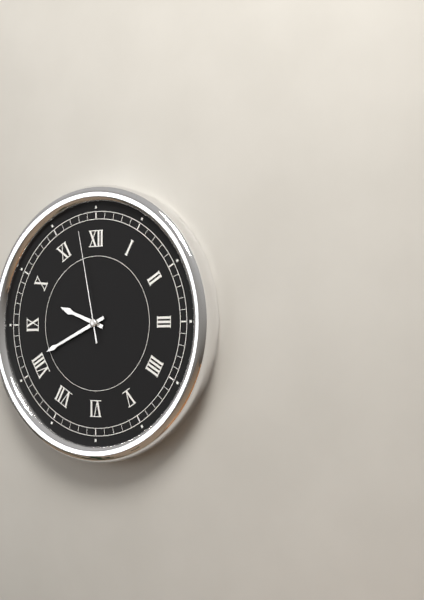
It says 9:41:58
